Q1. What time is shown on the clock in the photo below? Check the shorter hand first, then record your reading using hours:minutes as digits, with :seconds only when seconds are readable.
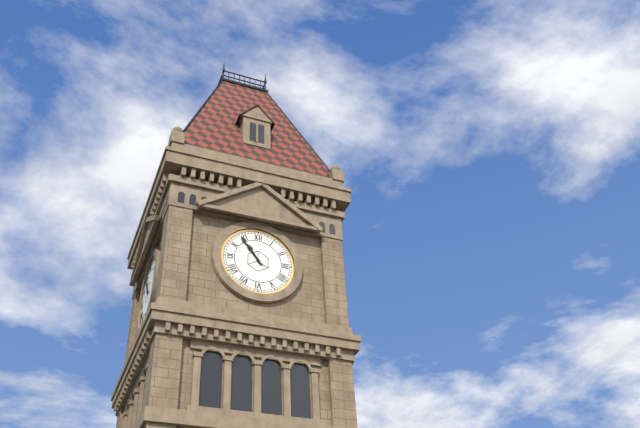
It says 10:54
